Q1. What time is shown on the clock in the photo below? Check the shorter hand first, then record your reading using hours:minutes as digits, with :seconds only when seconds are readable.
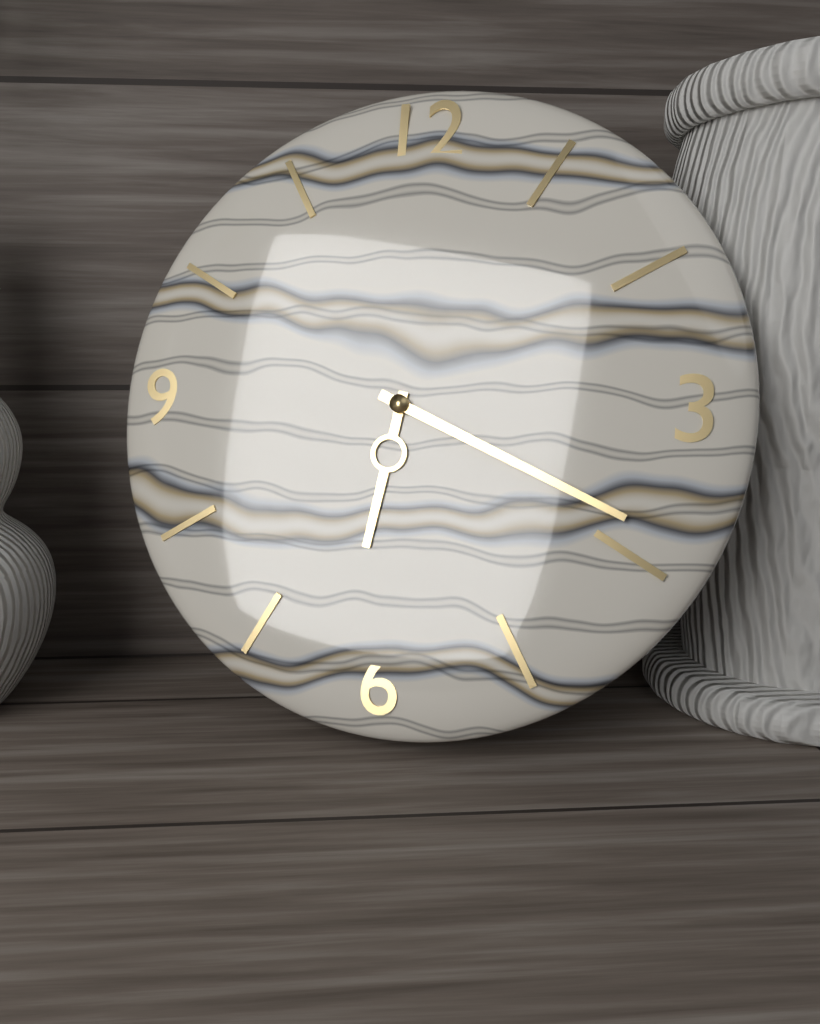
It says 6:19
